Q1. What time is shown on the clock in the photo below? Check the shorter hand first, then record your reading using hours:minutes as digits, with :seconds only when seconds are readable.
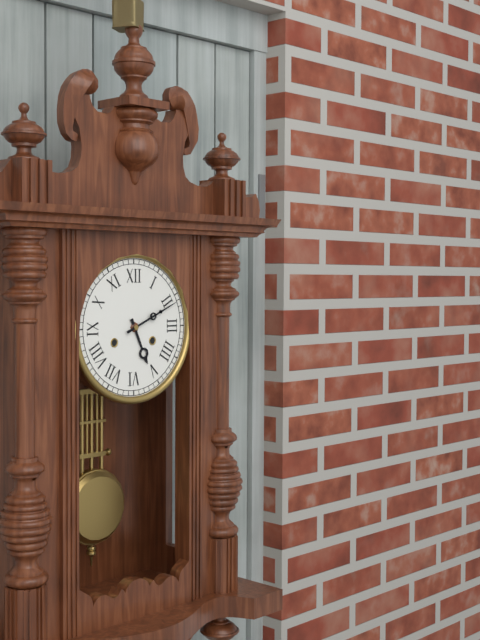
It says 5:11
